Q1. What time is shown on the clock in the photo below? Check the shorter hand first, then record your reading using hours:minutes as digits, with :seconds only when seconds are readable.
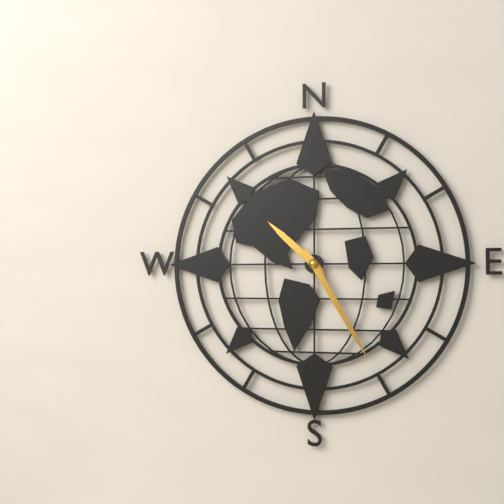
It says 10:25
